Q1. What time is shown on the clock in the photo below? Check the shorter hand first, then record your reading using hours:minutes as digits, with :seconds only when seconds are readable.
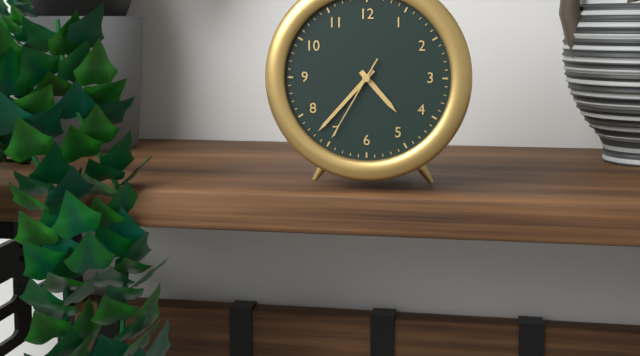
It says 4:37:35
